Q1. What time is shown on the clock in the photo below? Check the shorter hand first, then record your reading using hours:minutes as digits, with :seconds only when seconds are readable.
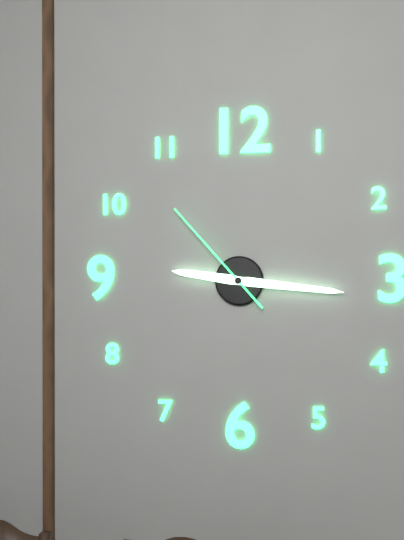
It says 9:16:53
